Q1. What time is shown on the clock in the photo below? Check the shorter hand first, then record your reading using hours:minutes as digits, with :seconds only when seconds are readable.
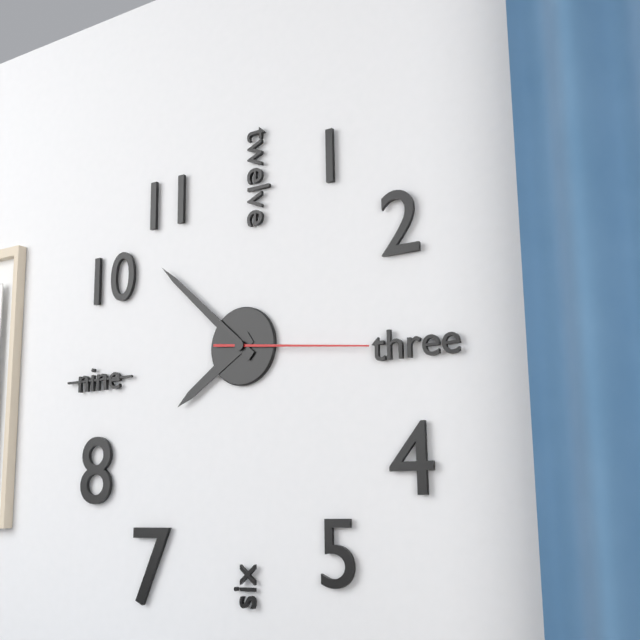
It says 7:52:16
